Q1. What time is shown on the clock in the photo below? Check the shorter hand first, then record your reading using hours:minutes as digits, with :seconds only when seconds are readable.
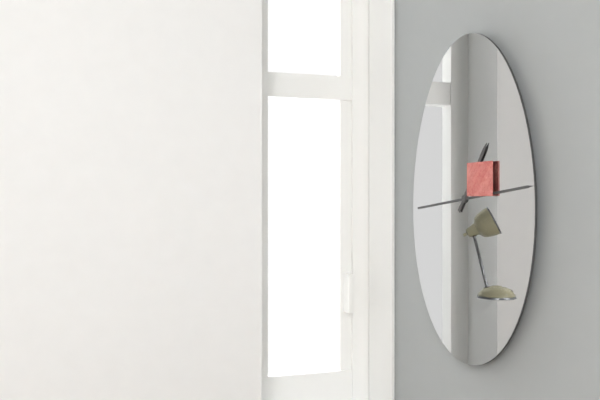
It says 1:14
